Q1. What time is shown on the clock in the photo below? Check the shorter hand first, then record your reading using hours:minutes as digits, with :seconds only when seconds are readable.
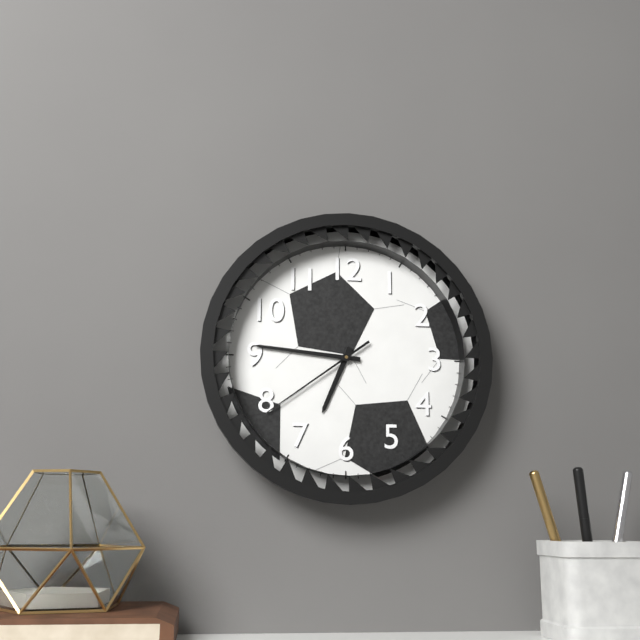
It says 6:46:39
